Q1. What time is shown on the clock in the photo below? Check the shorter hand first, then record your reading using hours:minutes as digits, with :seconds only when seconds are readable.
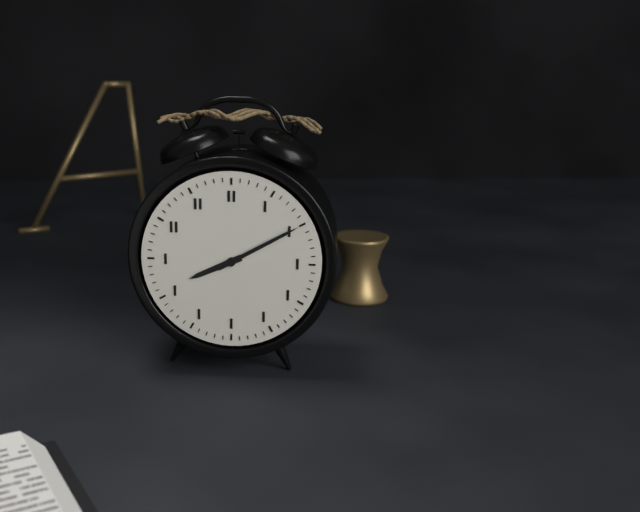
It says 8:10
